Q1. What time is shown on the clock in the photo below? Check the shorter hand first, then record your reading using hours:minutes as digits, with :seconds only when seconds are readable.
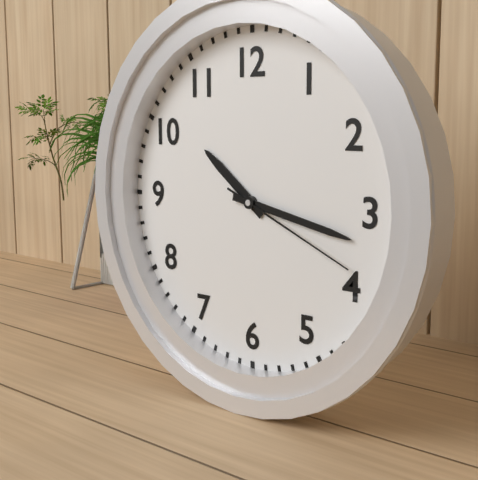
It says 10:17:19
